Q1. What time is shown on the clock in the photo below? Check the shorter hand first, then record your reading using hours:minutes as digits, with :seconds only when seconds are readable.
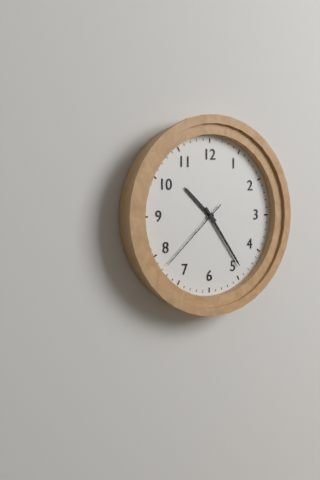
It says 10:24:38
